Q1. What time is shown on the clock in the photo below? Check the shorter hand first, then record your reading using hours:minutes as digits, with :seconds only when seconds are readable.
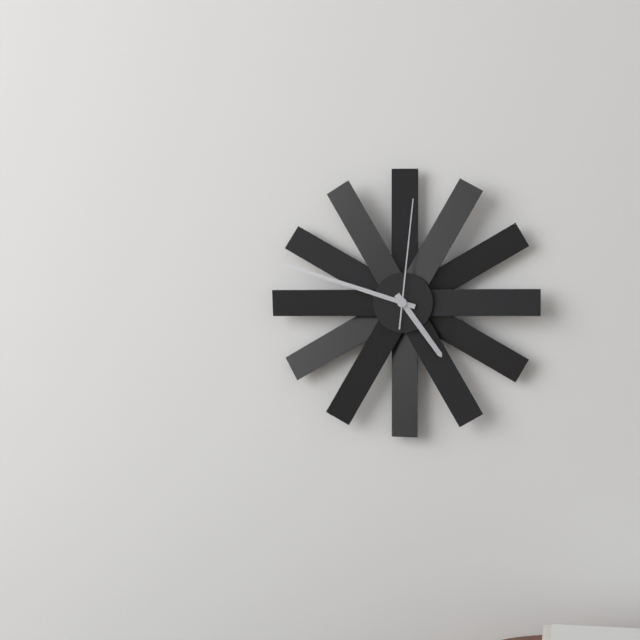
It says 4:48:01
